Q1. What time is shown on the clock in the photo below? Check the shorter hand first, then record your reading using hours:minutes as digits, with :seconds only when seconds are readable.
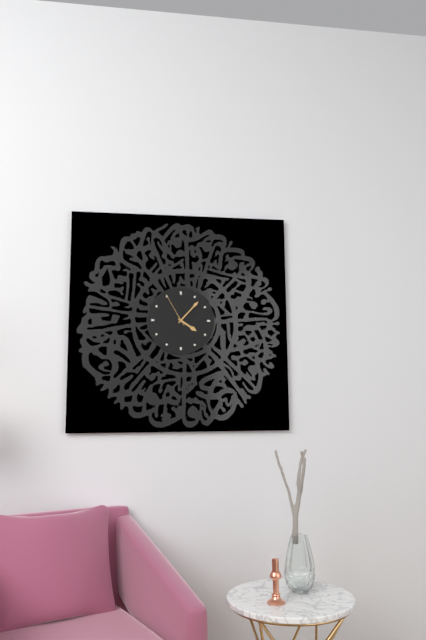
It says 4:07
